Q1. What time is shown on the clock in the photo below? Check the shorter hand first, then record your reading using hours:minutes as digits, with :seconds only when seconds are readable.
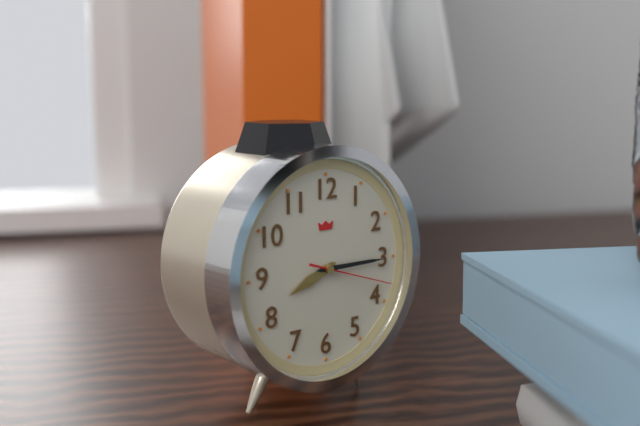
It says 8:15:18
